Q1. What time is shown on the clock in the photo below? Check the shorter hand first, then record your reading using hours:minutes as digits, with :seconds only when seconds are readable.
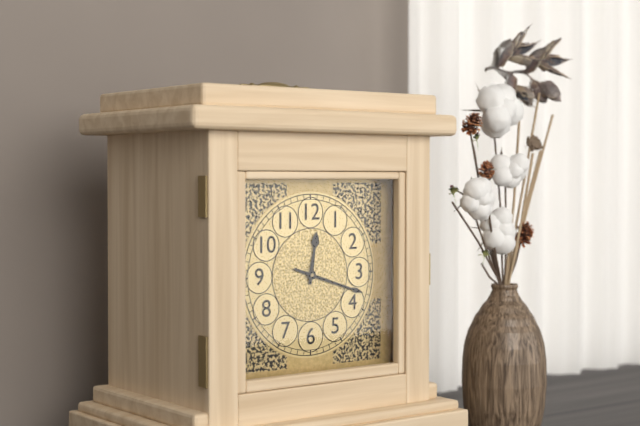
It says 12:18
